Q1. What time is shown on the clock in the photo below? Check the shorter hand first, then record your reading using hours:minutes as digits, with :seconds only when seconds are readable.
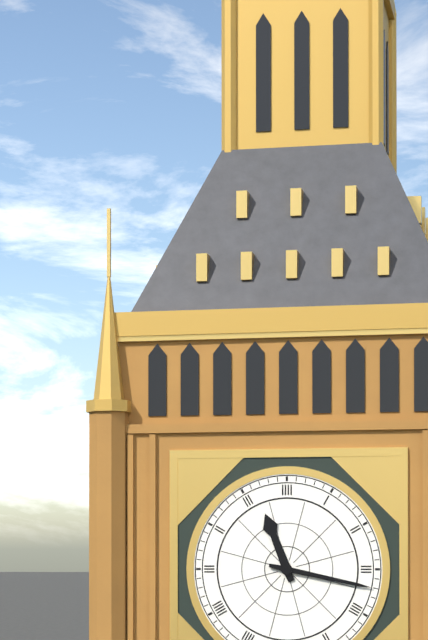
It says 11:17
